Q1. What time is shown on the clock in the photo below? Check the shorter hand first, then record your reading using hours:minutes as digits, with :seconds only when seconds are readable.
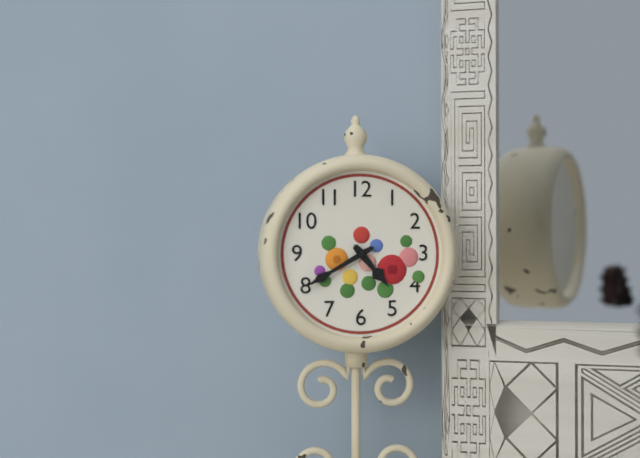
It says 4:40
